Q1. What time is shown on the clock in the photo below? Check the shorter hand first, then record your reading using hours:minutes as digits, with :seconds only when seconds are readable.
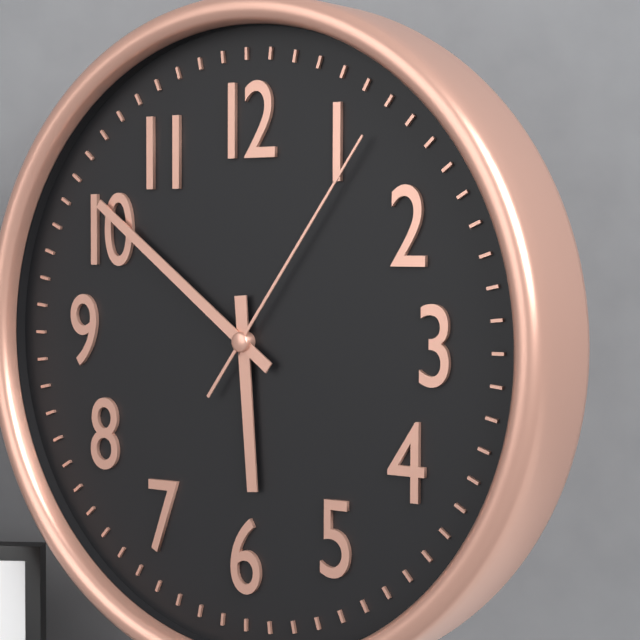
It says 5:51:06
